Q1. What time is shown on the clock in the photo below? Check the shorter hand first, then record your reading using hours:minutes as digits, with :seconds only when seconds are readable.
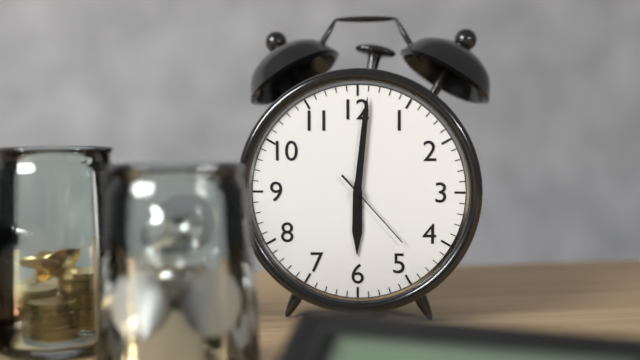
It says 6:01:23
